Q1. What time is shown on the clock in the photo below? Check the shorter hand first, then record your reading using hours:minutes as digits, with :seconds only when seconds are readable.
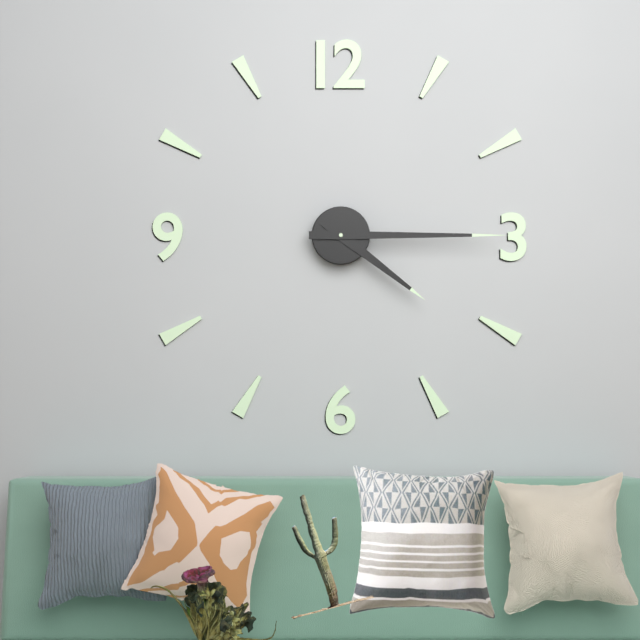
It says 4:15
